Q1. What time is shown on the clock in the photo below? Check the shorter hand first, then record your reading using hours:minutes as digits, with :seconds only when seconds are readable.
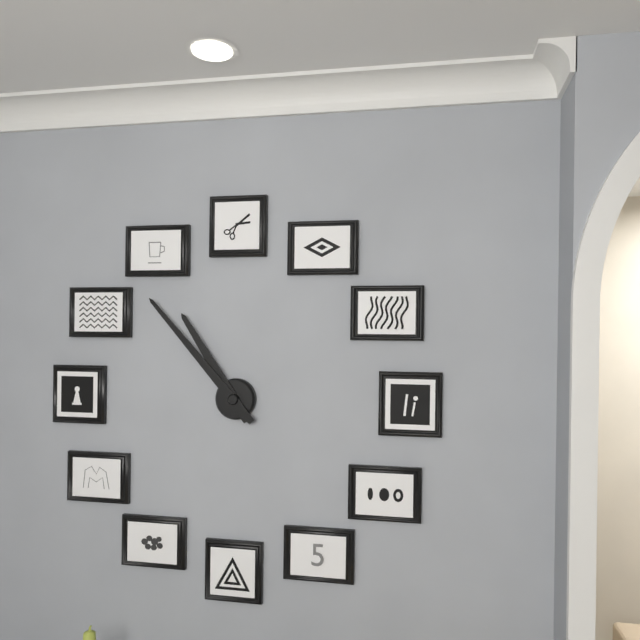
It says 10:53
